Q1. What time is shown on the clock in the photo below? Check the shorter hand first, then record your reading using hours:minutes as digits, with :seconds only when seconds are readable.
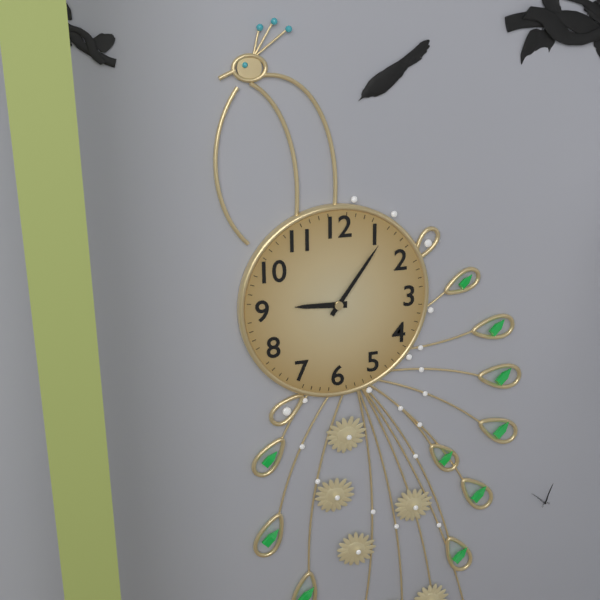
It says 9:06
